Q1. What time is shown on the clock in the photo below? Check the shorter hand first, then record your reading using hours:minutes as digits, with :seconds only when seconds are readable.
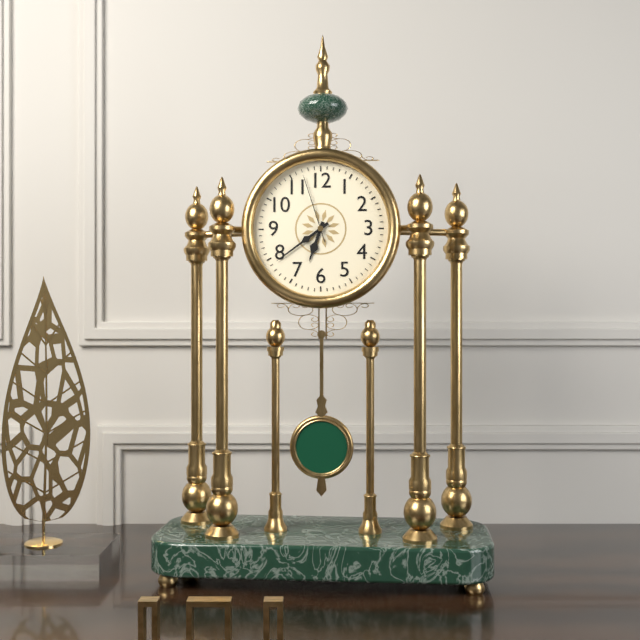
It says 6:39:57
